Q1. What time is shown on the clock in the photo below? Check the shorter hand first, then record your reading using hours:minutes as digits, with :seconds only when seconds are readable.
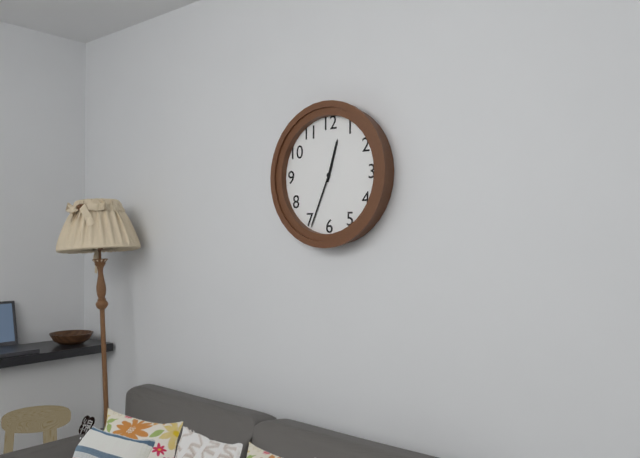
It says 12:34
